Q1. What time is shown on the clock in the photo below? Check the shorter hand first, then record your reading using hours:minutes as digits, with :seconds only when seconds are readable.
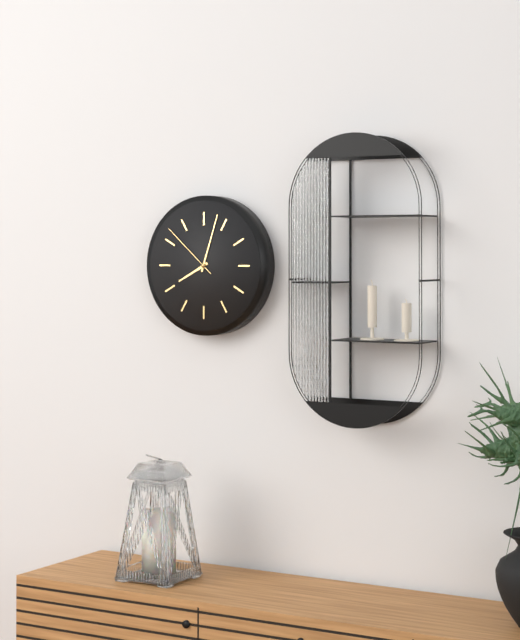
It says 8:03:52
